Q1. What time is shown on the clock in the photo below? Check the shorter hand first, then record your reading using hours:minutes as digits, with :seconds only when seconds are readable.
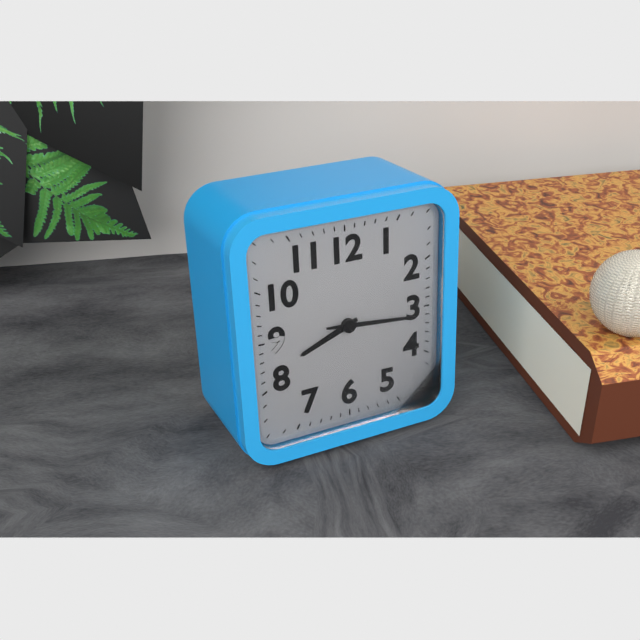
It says 8:16
